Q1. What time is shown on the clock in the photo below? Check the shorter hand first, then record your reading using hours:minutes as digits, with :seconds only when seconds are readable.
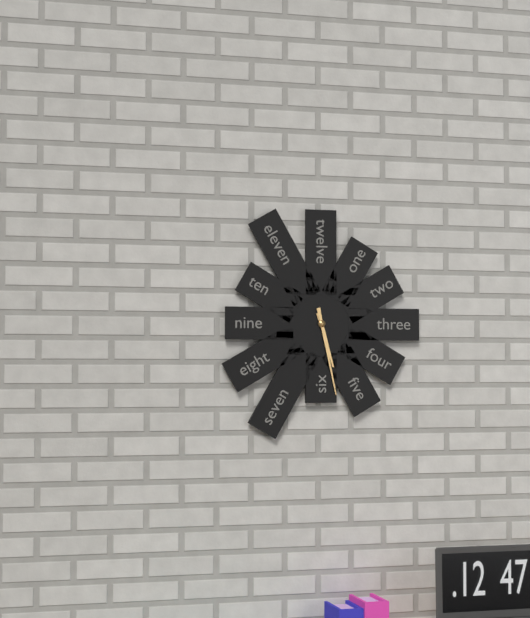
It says 5:28
